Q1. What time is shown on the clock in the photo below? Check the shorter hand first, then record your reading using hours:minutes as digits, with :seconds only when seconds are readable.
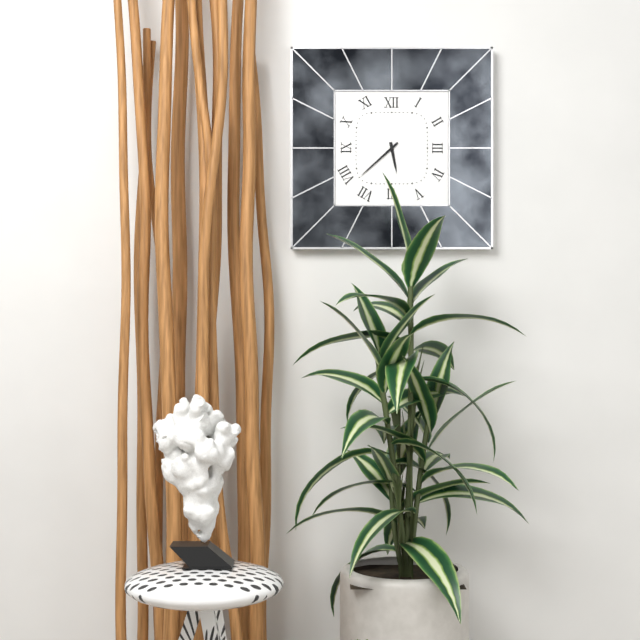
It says 5:38
